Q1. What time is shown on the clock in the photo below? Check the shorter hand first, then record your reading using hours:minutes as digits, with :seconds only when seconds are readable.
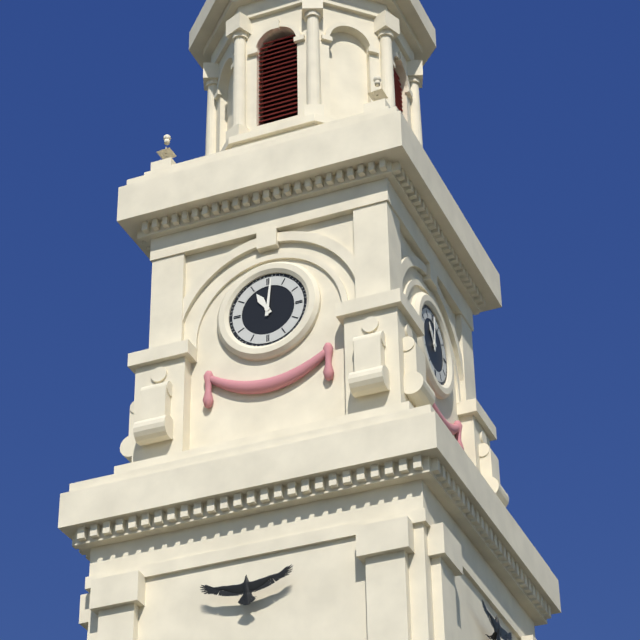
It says 11:01
